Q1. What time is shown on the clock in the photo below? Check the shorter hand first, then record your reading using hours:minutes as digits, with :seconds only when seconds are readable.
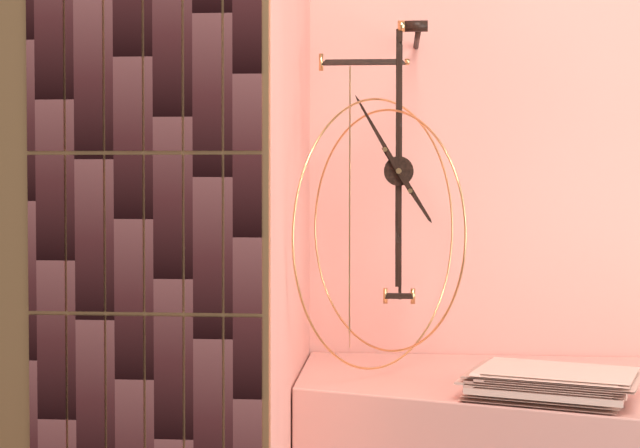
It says 4:55
